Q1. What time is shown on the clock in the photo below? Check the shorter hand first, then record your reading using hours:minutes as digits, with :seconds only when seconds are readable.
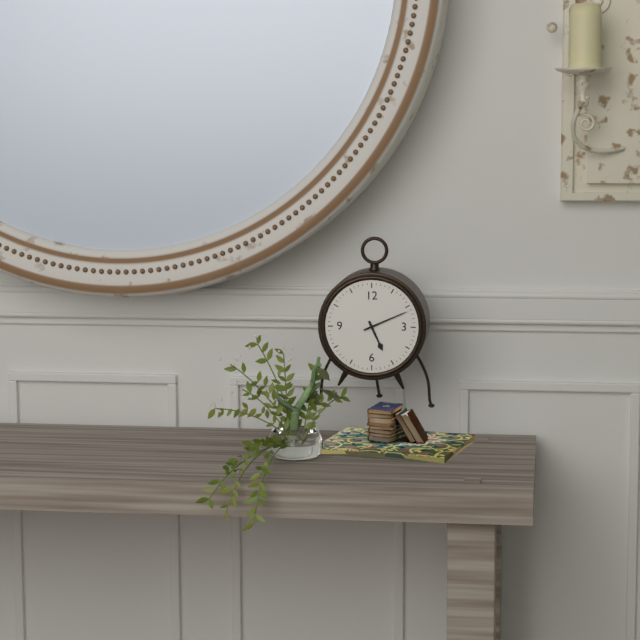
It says 5:11
